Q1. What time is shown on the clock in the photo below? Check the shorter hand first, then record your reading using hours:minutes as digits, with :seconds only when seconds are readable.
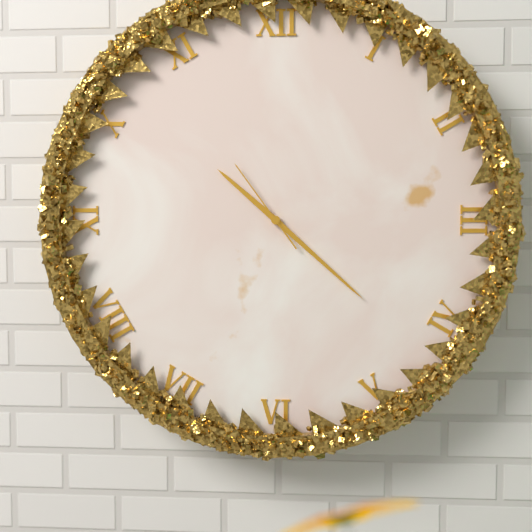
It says 10:22:54
